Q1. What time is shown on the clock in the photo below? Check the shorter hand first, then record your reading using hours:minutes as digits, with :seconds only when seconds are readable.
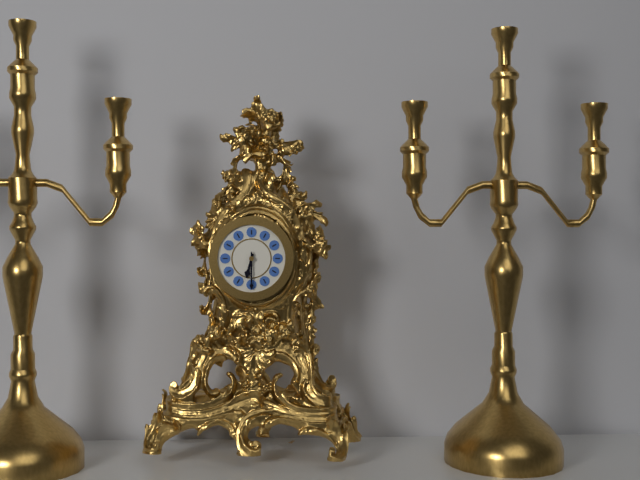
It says 6:30
